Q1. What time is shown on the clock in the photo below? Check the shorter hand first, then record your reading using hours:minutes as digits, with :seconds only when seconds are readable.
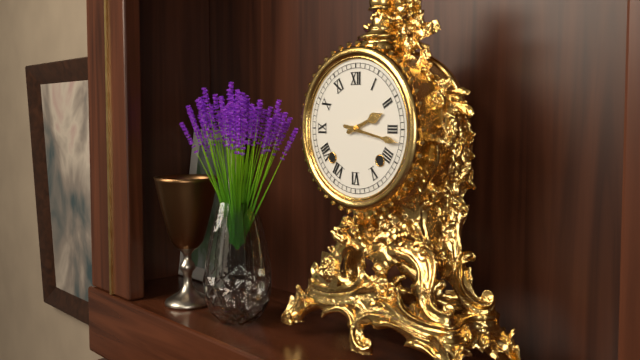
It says 2:17
